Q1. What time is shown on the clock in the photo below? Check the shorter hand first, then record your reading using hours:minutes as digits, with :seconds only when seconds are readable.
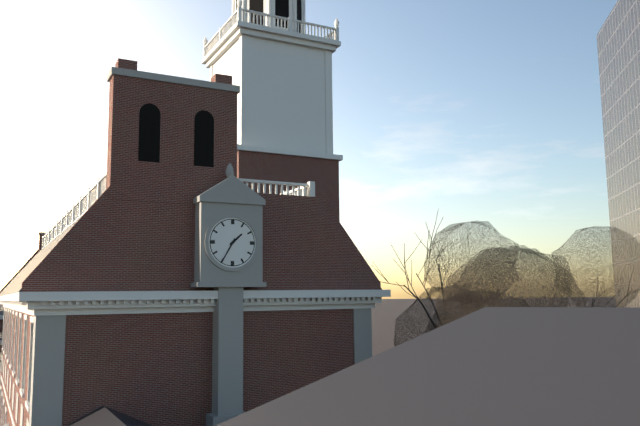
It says 1:35
